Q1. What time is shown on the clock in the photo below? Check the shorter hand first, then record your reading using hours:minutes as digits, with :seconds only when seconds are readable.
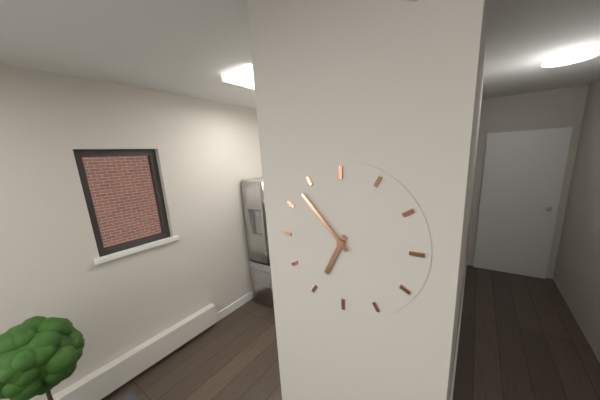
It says 6:53
